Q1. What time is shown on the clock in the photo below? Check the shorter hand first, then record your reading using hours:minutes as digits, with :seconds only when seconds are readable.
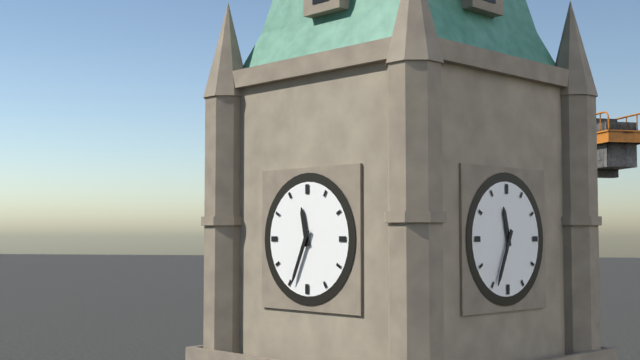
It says 11:34
